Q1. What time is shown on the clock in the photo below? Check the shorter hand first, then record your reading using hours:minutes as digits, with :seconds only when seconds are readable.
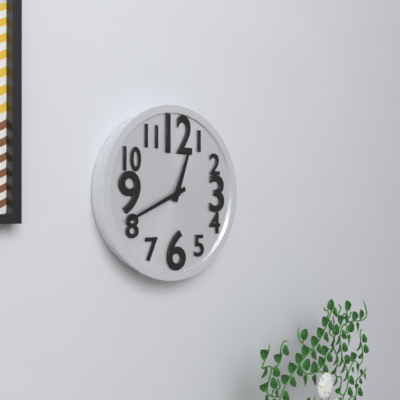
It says 12:41
